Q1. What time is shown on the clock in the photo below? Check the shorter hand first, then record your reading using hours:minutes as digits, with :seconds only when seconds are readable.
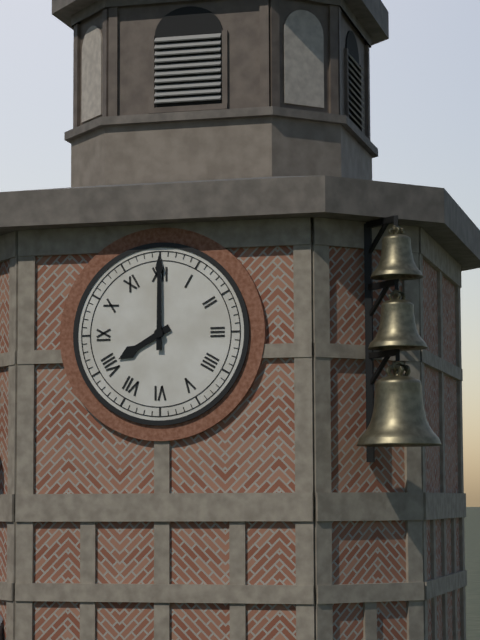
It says 8:00
